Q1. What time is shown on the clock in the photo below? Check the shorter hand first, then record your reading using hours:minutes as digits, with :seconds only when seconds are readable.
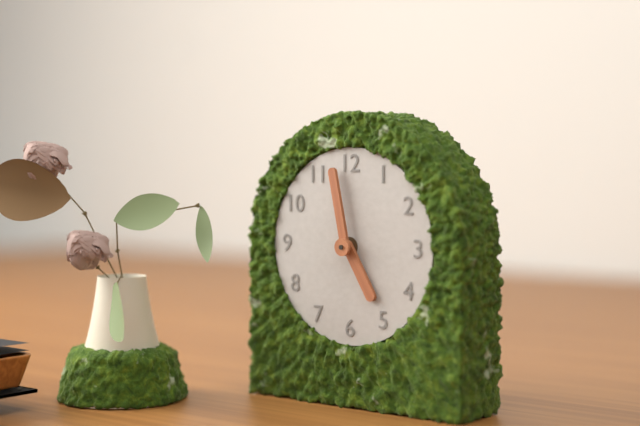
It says 4:58
